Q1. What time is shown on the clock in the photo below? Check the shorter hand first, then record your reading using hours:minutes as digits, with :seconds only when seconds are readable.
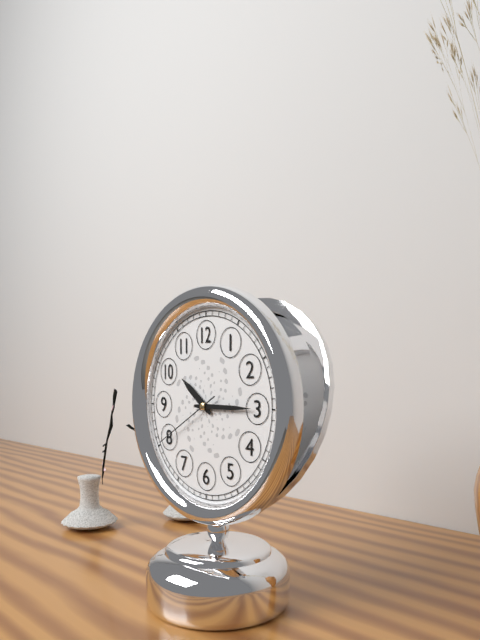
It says 10:15:40
